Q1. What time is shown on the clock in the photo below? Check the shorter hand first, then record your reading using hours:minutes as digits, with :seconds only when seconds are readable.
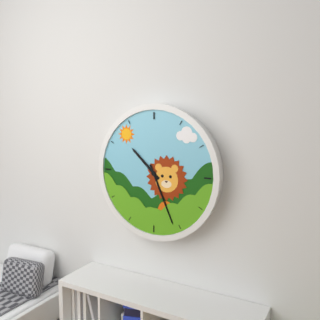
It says 10:26
